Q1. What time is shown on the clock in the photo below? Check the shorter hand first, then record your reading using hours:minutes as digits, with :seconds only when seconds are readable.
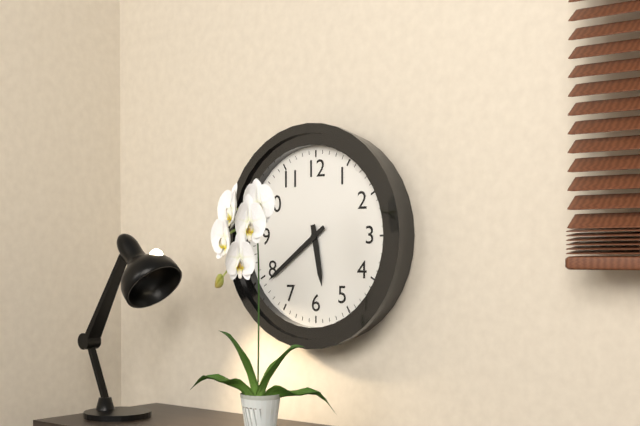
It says 5:39
